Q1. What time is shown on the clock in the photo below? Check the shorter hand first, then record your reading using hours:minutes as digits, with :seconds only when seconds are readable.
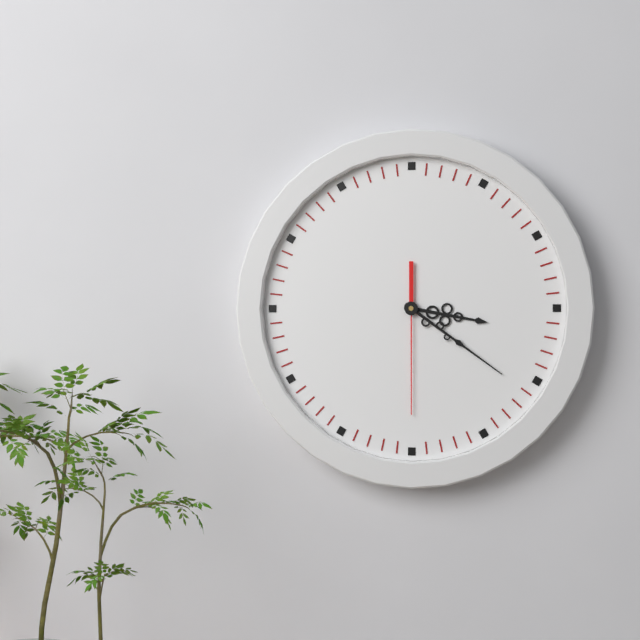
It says 3:21:30
